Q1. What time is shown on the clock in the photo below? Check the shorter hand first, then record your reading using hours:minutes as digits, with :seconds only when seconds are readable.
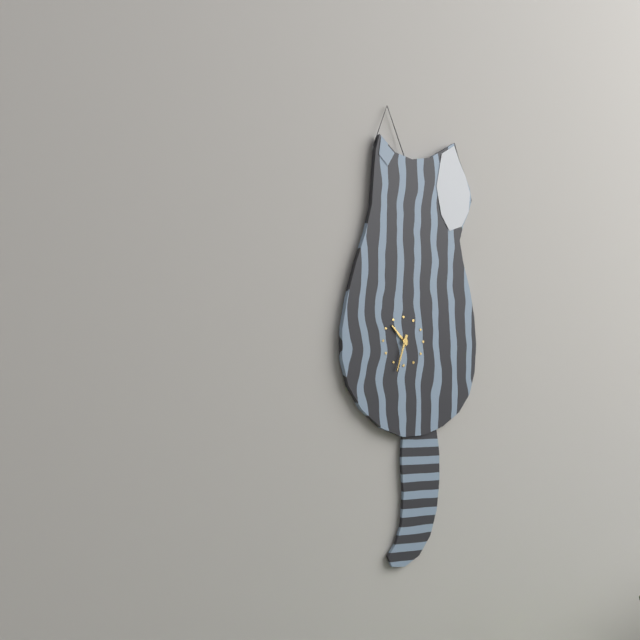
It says 10:33
